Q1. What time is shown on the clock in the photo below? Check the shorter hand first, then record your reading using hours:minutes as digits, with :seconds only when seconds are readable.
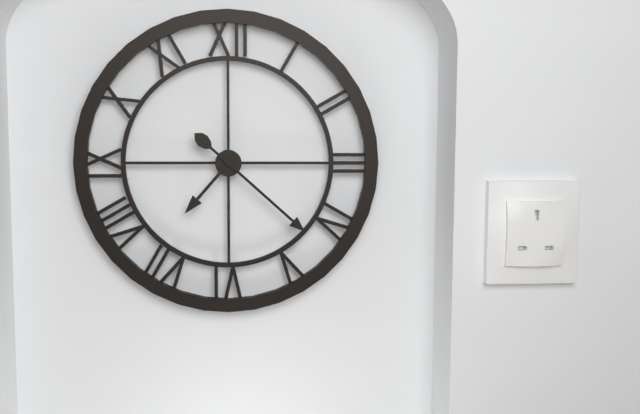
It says 7:22
